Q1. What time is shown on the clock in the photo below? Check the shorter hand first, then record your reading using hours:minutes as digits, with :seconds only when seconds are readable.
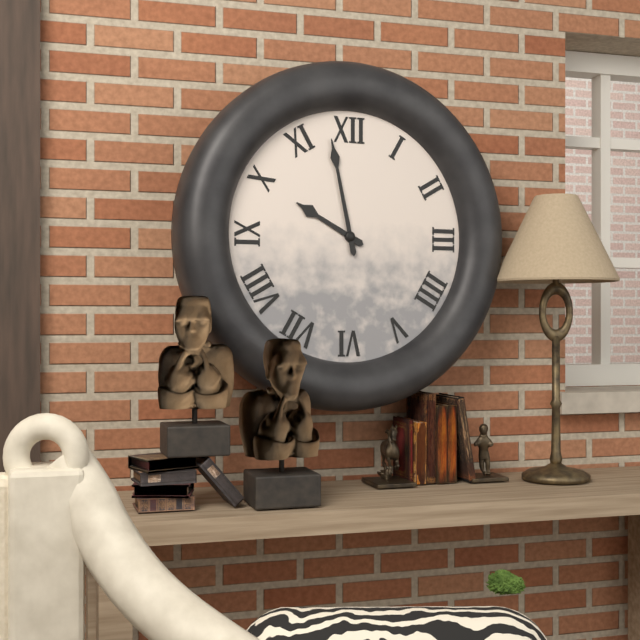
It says 9:58
